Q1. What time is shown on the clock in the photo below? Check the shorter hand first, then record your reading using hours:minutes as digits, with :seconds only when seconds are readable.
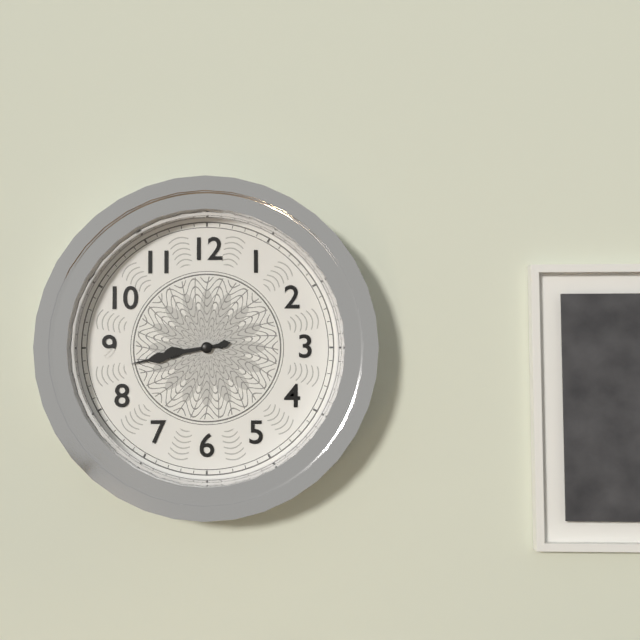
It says 8:43
